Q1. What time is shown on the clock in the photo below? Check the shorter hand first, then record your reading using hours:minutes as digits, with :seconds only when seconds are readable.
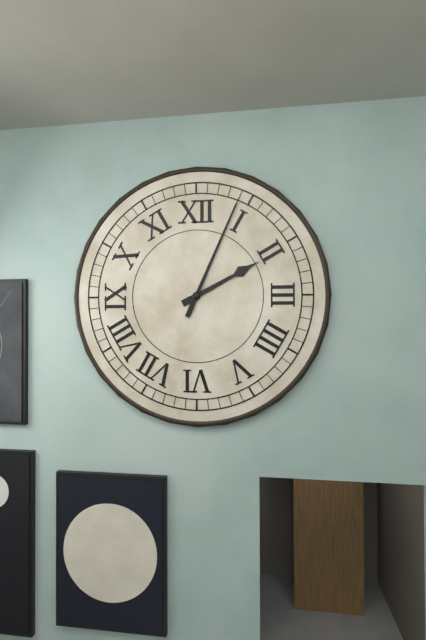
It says 2:04
